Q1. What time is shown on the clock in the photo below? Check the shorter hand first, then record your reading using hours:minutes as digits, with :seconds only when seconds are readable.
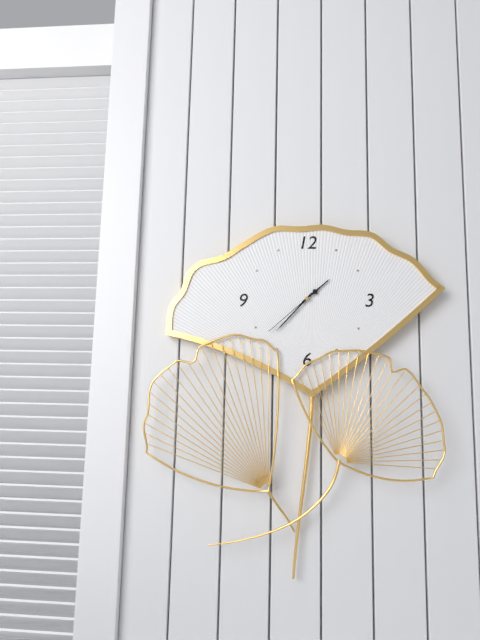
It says 1:37:38
